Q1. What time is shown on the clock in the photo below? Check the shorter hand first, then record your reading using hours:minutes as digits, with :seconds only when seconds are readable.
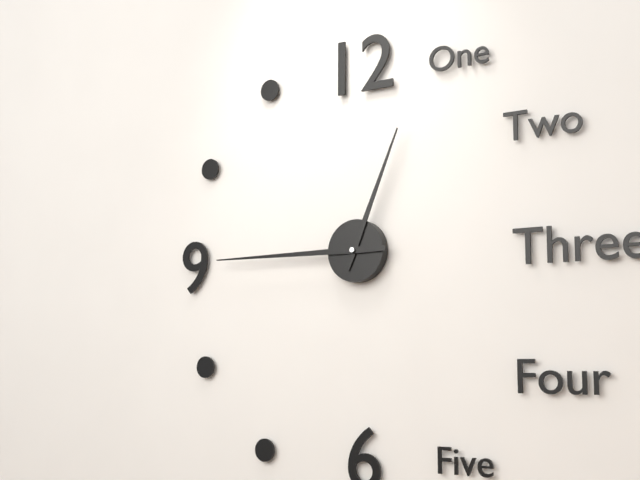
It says 12:45
